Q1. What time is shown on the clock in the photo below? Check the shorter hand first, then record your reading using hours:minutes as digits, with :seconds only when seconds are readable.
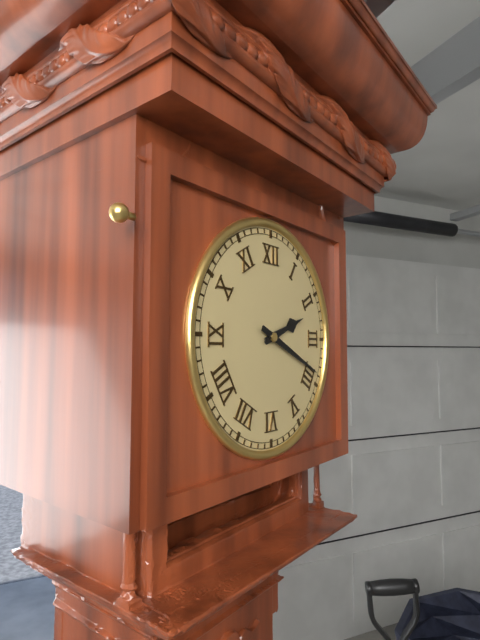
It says 2:19
